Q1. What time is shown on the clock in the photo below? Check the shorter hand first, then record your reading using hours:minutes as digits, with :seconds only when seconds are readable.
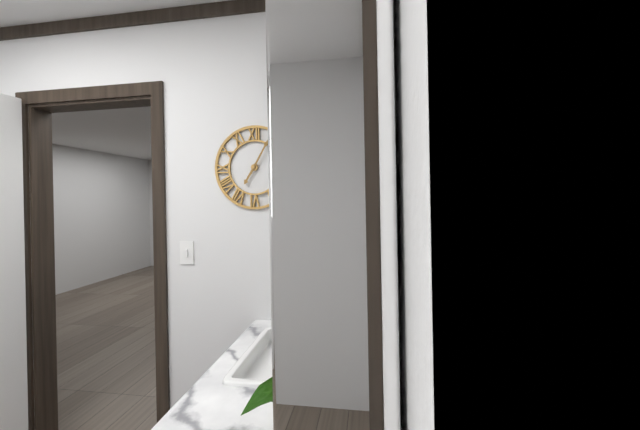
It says 7:05
